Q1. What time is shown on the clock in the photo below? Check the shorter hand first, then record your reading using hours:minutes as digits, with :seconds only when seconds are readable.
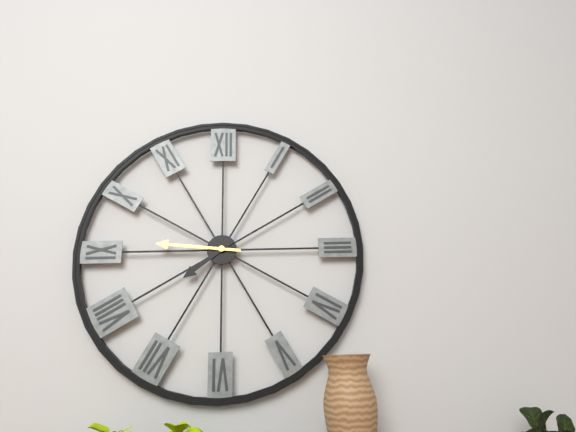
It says 7:46
